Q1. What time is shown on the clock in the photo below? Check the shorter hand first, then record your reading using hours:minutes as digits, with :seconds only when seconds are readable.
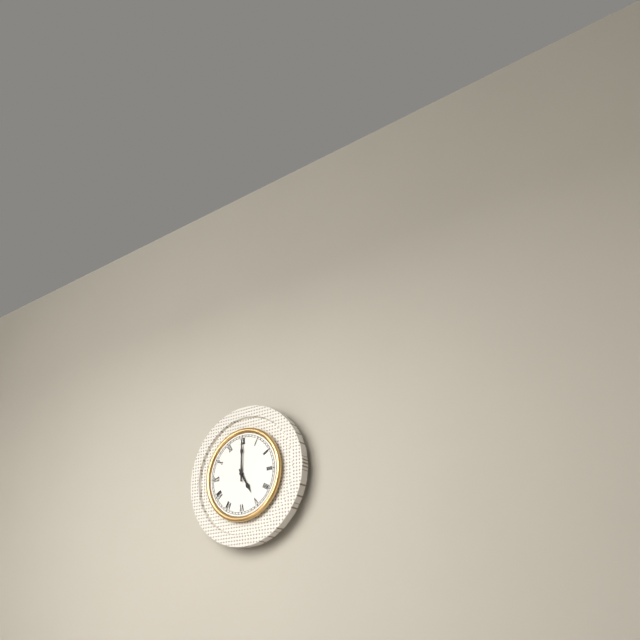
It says 5:00
